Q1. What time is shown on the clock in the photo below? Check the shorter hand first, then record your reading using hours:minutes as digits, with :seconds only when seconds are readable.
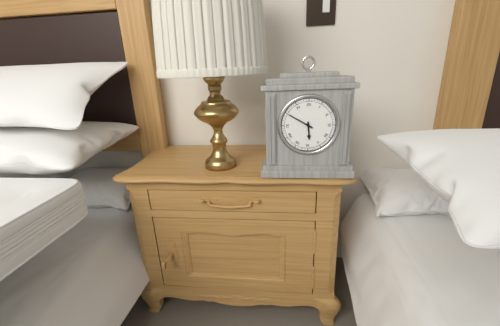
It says 5:50
